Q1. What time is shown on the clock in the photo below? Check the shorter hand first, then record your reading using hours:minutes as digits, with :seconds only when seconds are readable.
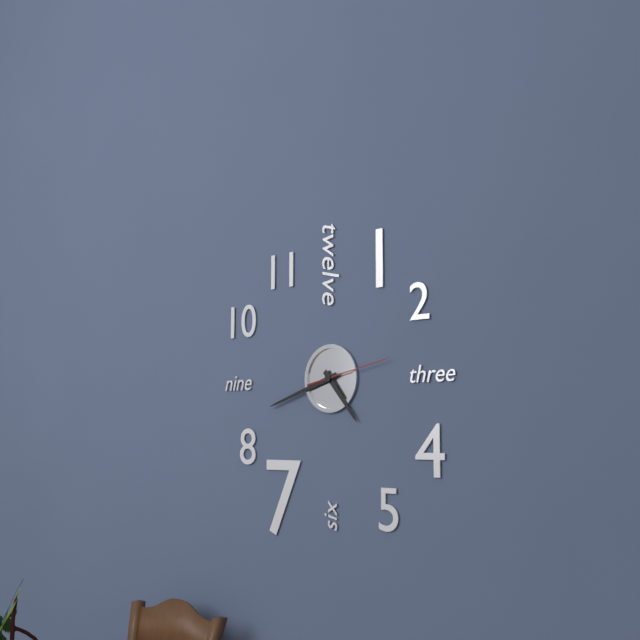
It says 4:42:13
